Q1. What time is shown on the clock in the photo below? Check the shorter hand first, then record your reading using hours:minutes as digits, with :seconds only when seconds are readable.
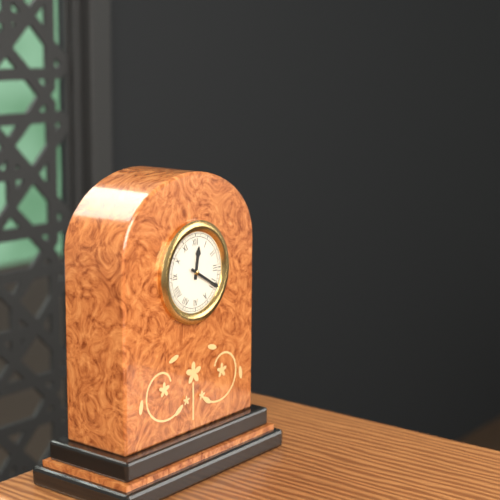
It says 12:20
